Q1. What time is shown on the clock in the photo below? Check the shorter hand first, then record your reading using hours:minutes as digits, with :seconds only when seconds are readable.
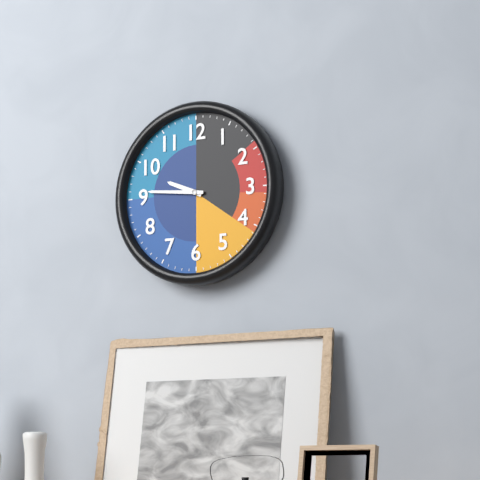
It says 9:46
